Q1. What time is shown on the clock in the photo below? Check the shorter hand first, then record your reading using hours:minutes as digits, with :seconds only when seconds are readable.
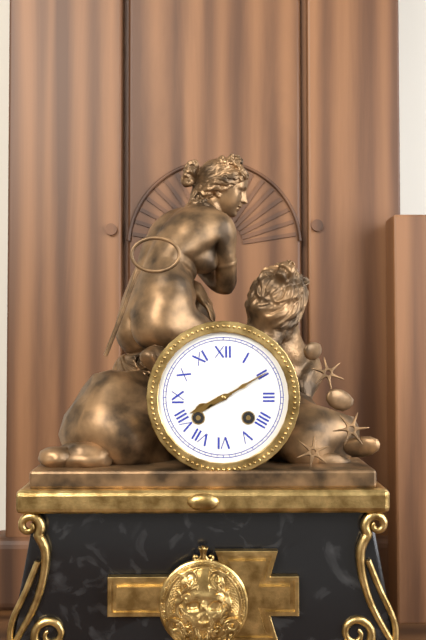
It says 8:10
